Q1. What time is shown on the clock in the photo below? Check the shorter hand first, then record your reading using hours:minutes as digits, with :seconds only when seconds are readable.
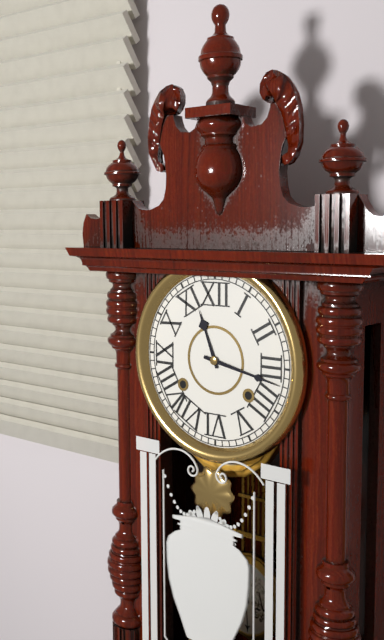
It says 11:17
